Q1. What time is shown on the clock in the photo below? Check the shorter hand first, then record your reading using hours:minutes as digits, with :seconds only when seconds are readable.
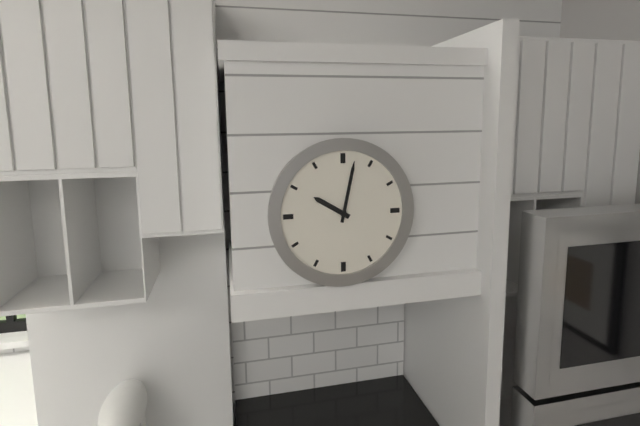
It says 10:02
